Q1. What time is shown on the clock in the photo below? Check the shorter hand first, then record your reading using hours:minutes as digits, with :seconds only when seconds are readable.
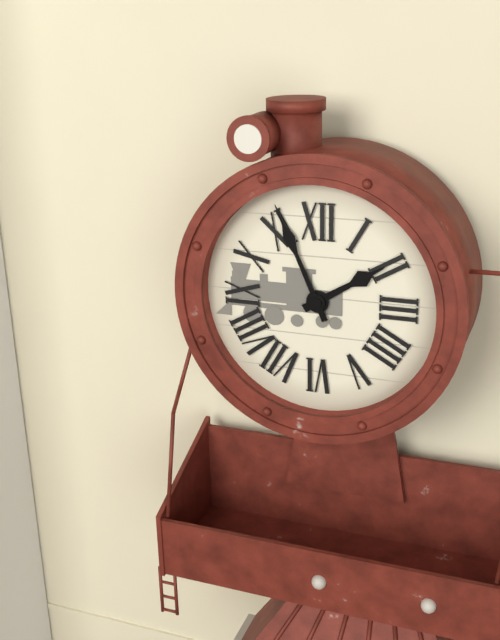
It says 1:56
